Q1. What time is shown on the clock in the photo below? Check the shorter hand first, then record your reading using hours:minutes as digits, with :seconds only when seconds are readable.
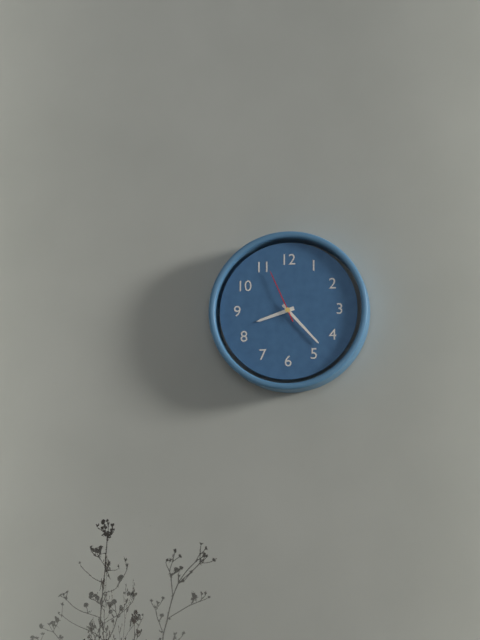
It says 8:23:56
